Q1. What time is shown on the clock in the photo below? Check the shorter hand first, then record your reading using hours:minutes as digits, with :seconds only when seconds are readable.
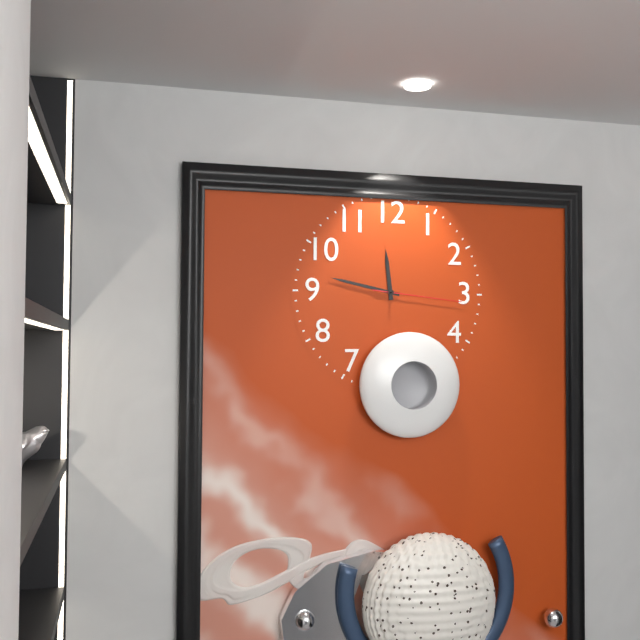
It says 11:47:16
